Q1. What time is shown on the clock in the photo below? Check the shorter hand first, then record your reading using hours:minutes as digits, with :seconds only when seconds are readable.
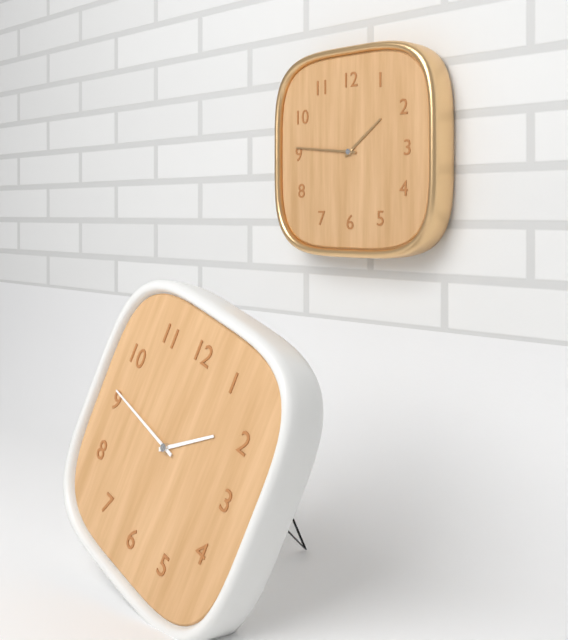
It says 1:46
